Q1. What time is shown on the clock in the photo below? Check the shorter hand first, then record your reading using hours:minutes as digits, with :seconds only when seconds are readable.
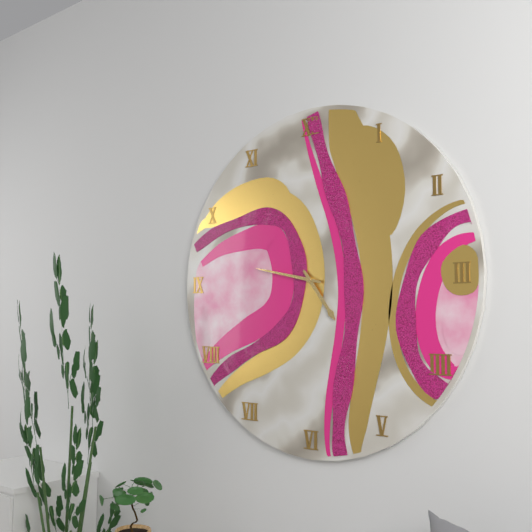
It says 4:47
